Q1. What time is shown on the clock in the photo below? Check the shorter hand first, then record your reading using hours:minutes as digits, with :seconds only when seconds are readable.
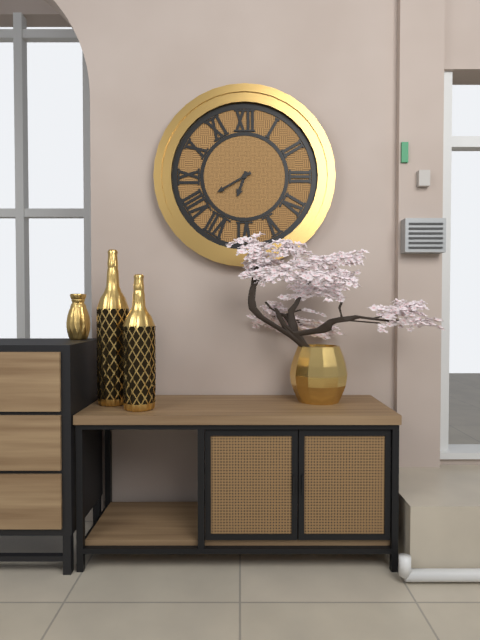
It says 6:40
